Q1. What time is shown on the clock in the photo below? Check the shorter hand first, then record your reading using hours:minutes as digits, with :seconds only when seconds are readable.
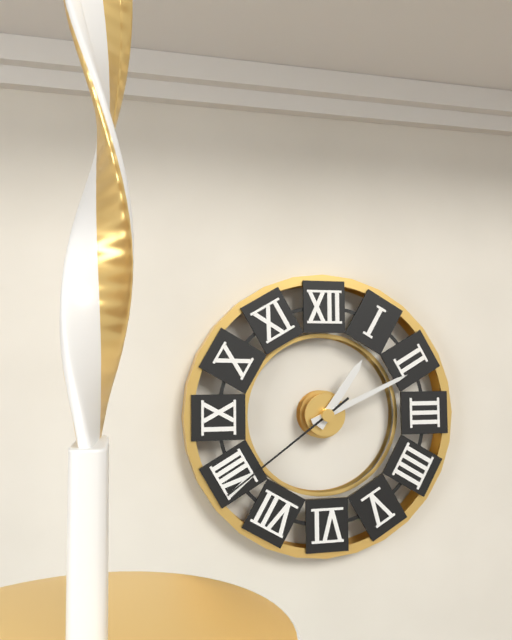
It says 1:11:39
